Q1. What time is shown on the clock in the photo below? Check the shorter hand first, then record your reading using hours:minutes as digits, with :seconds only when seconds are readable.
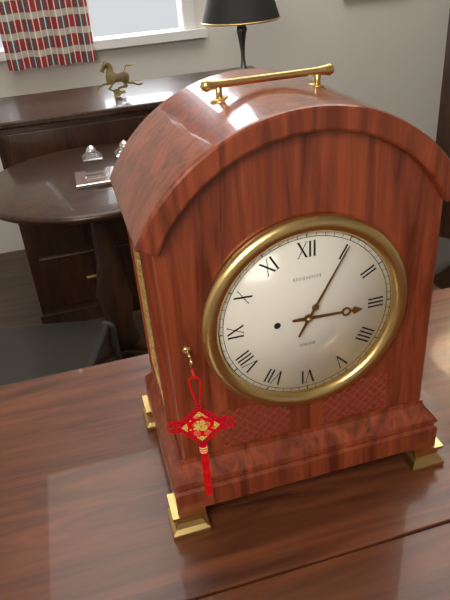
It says 3:05
